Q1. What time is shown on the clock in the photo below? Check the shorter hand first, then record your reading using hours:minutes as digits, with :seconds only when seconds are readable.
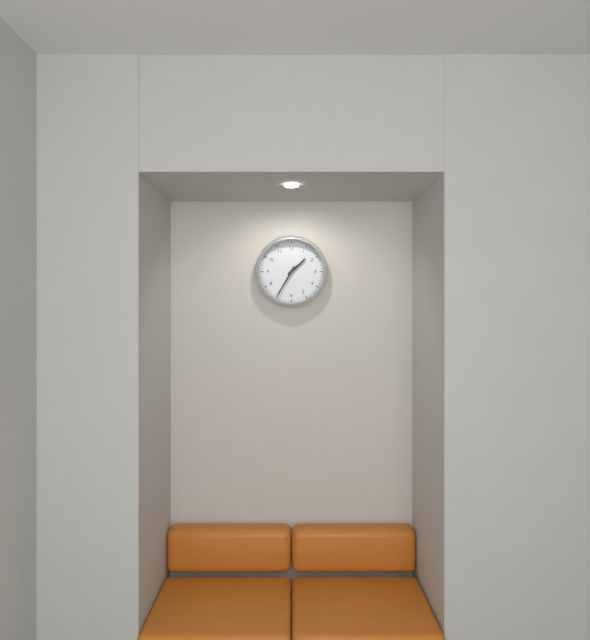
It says 1:35
